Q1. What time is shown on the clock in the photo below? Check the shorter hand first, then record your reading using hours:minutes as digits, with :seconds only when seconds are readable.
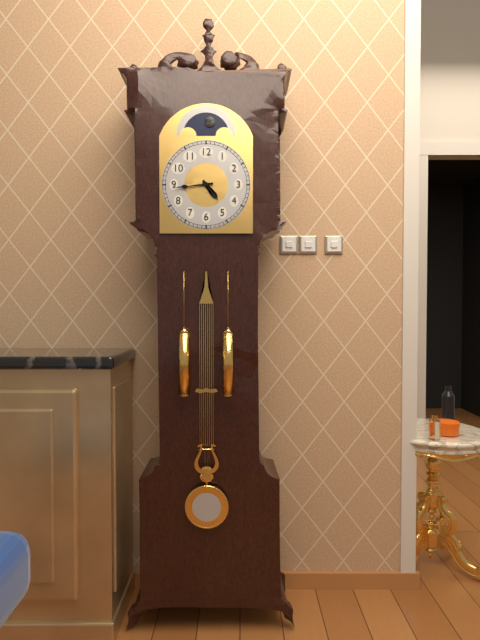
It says 4:44
